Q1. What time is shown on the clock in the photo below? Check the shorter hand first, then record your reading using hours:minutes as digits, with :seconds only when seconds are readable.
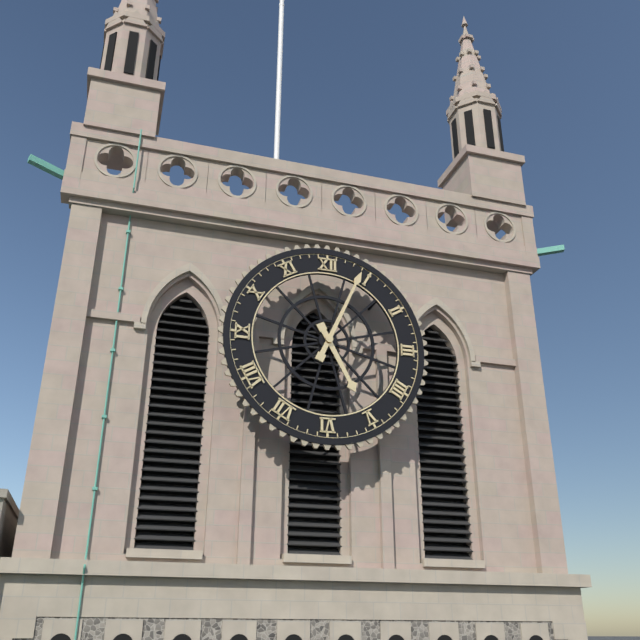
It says 5:04
